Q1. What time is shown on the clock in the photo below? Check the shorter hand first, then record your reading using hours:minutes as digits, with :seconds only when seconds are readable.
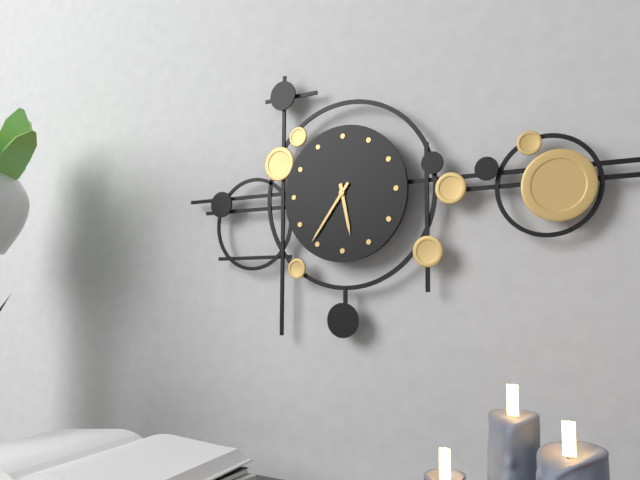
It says 5:36
